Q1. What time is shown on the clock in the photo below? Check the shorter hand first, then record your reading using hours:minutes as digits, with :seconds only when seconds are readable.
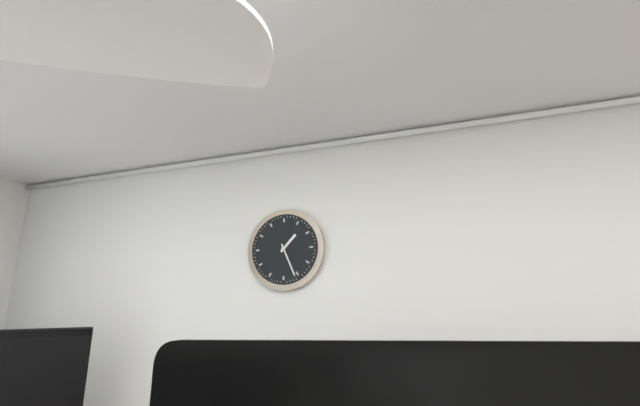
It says 1:26
